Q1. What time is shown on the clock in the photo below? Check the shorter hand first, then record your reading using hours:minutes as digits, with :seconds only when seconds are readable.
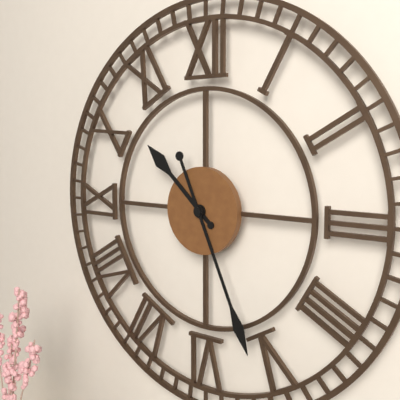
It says 10:26
